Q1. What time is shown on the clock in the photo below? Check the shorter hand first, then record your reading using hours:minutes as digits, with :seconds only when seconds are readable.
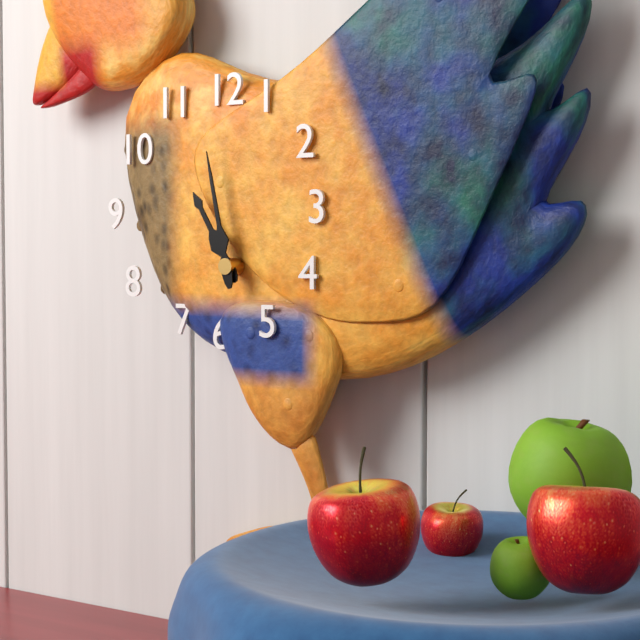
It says 10:58
